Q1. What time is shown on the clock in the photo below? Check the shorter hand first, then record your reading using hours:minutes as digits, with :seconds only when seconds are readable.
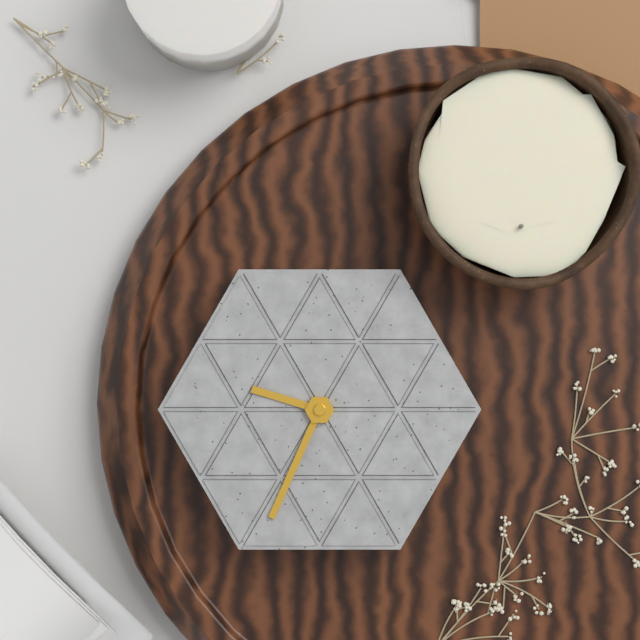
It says 9:34
